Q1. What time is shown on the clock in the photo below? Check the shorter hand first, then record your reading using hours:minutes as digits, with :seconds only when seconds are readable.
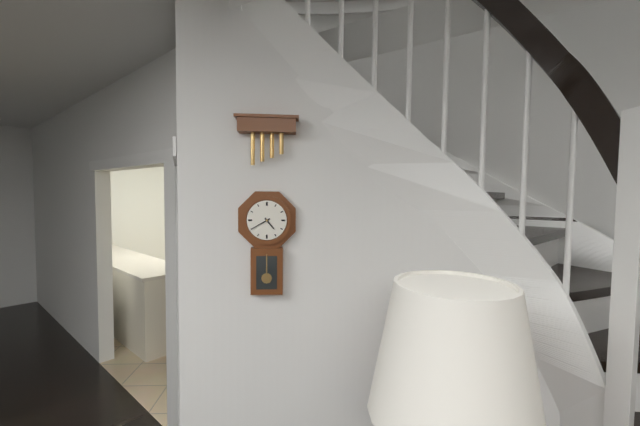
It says 4:40
